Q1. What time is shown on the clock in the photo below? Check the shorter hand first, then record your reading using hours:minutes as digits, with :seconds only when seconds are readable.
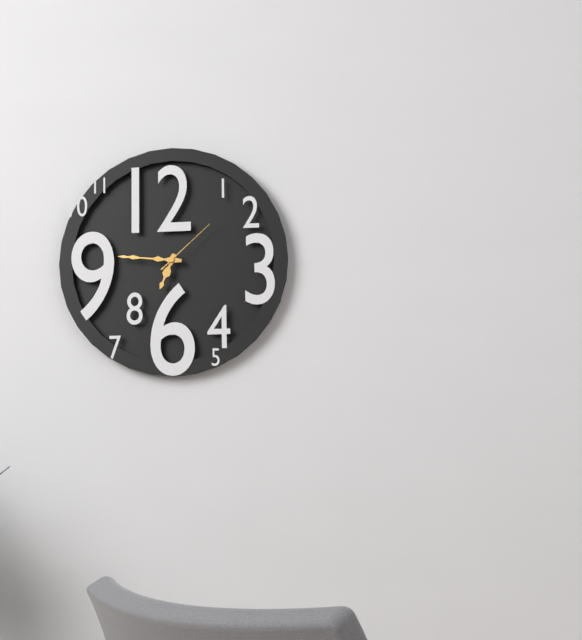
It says 6:46:08
